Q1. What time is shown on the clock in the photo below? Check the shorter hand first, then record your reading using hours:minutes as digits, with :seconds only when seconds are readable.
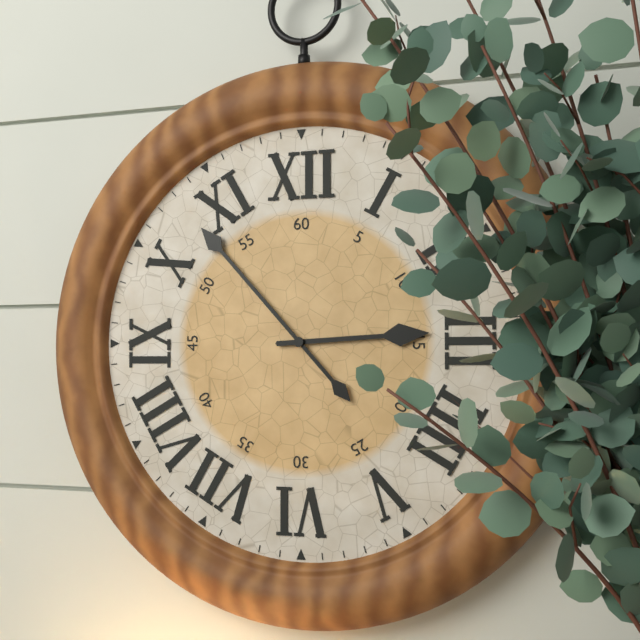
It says 2:53
